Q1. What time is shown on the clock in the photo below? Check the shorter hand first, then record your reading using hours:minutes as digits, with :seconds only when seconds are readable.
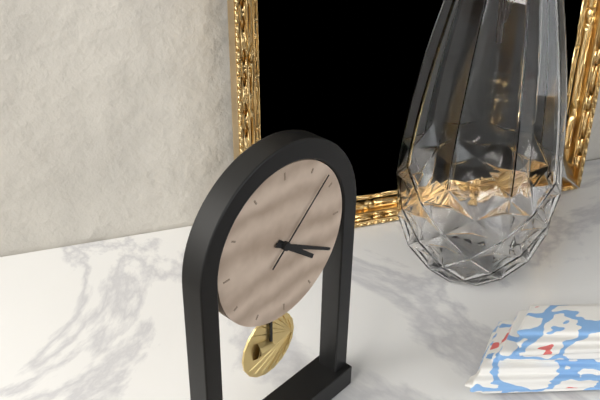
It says 4:20:08
